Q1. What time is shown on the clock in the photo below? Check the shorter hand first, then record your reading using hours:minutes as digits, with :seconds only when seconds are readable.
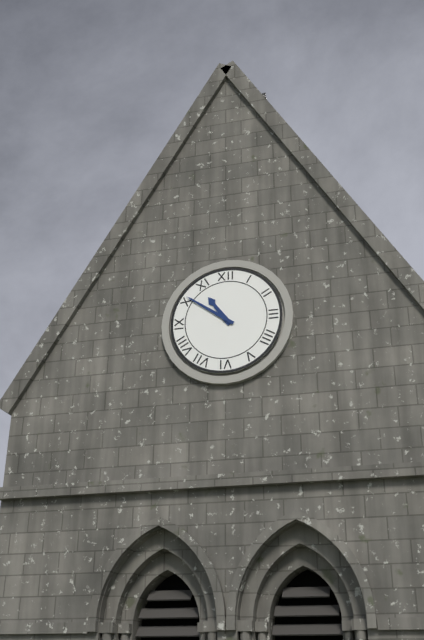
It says 10:51
